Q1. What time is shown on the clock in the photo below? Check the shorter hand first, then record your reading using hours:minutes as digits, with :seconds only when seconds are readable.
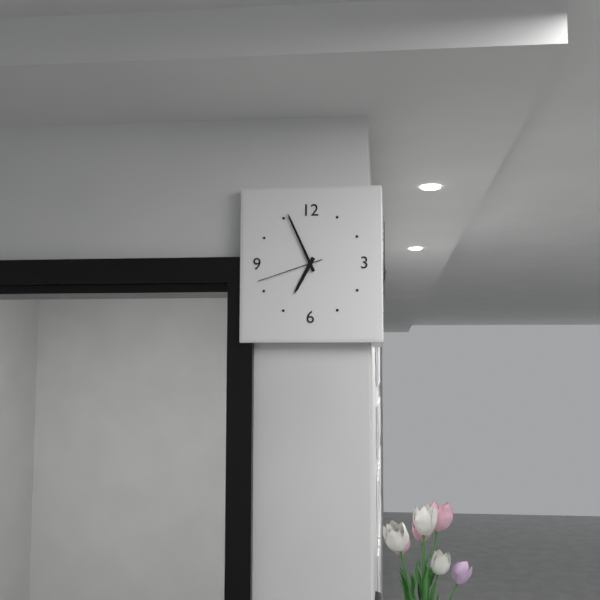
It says 6:56:42
